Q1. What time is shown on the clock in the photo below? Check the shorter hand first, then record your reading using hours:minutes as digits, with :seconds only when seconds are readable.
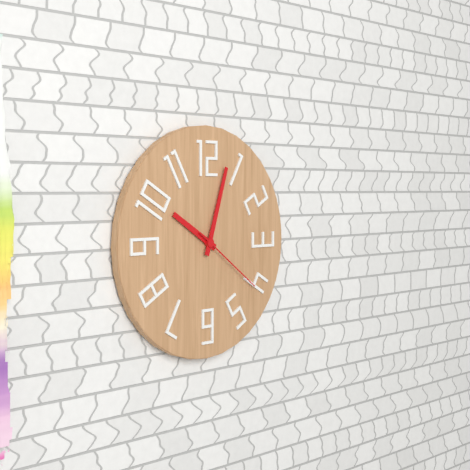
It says 10:03:21
